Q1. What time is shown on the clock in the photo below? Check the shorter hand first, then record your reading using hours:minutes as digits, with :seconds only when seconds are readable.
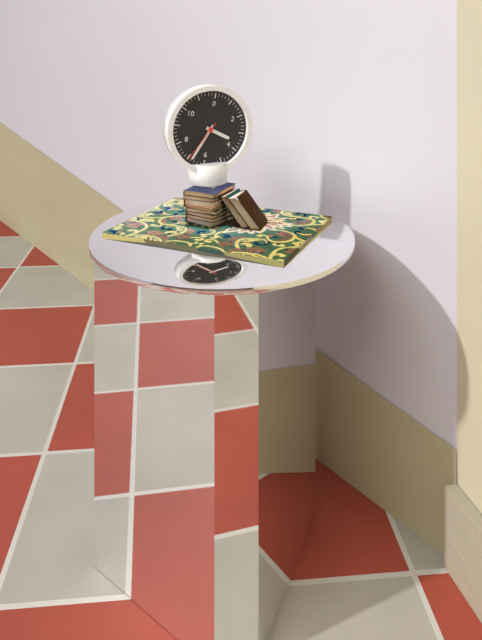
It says 3:34
